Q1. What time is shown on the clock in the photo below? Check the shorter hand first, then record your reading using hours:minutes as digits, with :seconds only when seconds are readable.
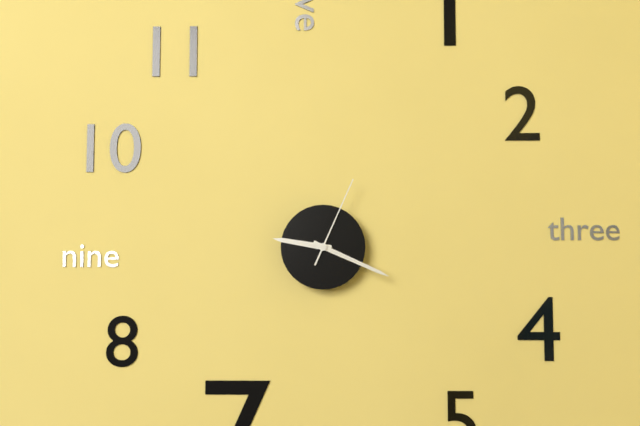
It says 9:19:04
